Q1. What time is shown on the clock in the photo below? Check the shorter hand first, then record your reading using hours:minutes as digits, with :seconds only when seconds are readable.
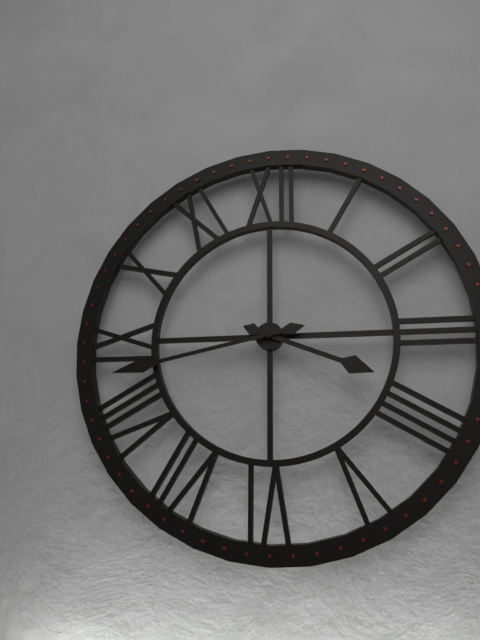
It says 3:43
